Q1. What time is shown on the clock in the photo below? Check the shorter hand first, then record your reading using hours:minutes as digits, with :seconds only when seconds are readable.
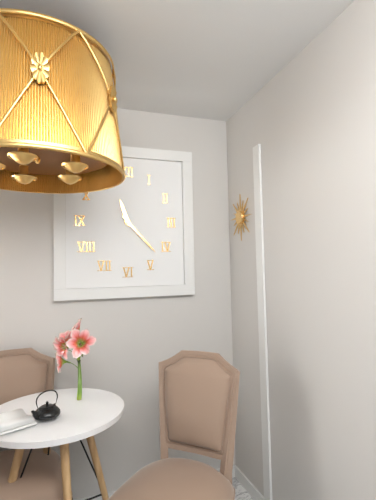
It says 11:23
